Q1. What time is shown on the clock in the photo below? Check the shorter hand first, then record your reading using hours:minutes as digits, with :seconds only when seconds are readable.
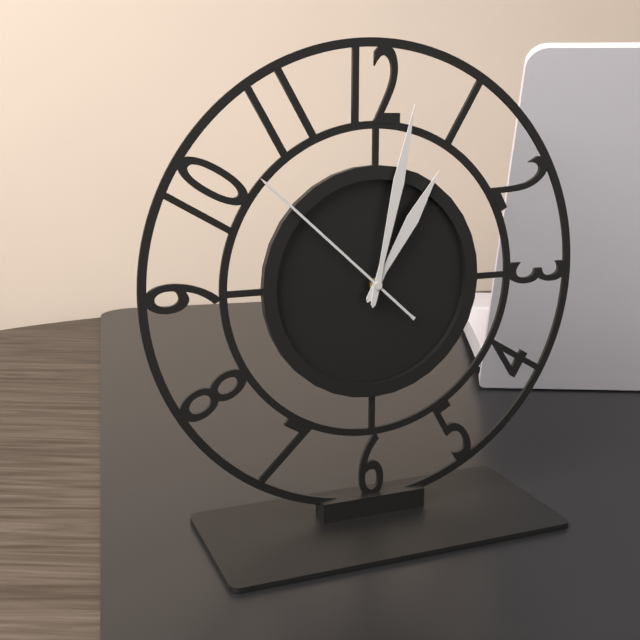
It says 1:02:52
